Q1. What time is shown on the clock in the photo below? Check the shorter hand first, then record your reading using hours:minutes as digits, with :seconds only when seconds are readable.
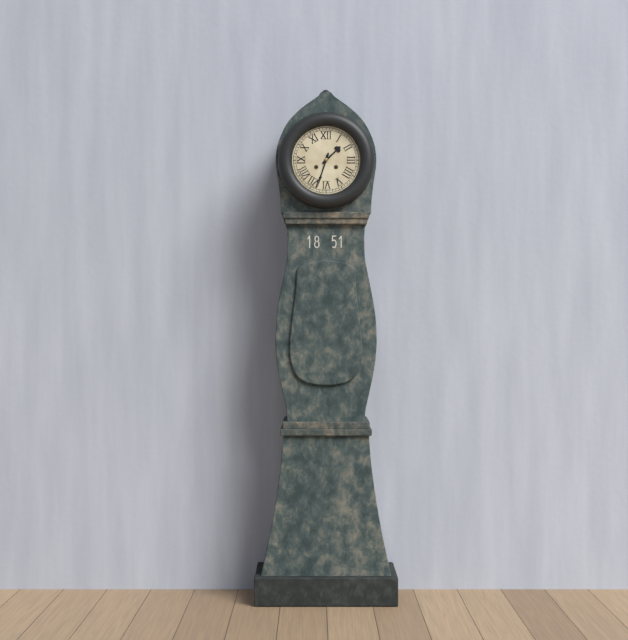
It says 1:33
